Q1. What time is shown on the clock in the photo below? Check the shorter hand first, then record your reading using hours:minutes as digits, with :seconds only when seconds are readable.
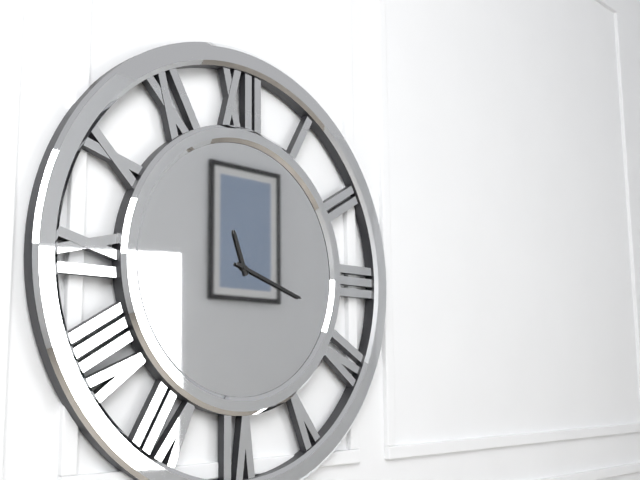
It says 11:18
